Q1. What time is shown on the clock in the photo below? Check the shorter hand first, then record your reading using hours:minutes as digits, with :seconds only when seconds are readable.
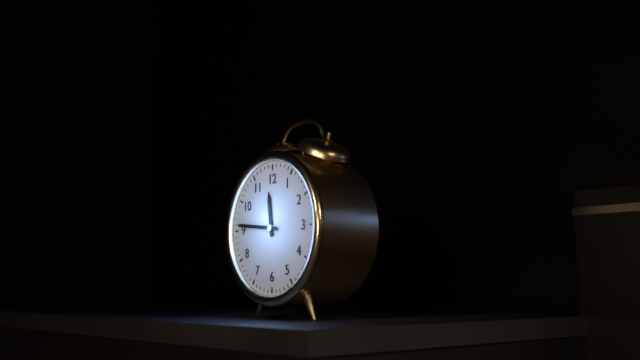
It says 11:46
